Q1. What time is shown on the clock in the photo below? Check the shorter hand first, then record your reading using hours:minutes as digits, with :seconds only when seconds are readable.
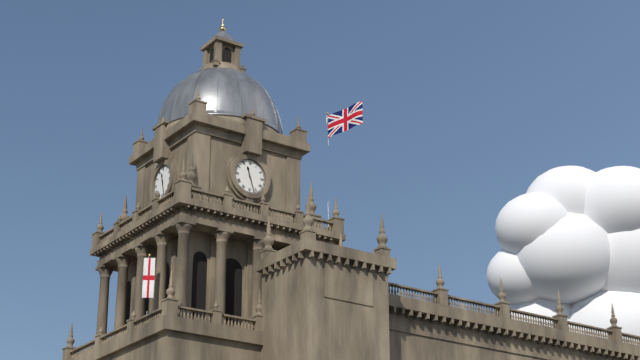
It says 11:27
